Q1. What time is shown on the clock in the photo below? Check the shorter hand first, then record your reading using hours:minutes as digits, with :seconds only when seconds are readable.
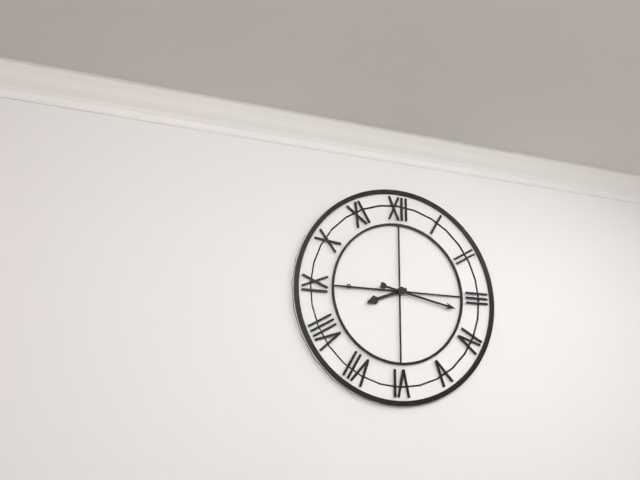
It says 8:17:45
